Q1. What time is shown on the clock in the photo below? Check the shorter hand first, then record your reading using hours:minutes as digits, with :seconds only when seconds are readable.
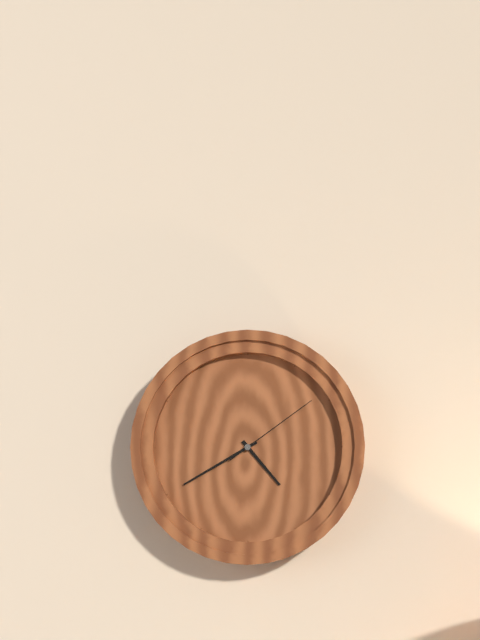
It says 4:40:09
